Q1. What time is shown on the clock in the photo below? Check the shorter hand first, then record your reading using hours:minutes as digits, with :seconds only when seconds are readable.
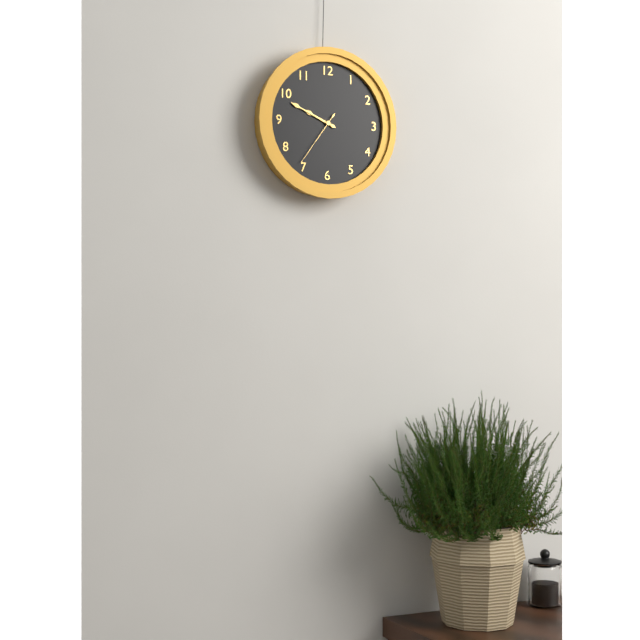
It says 9:49:36
